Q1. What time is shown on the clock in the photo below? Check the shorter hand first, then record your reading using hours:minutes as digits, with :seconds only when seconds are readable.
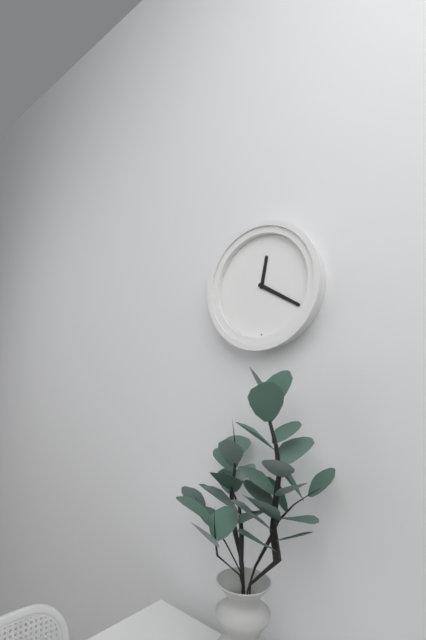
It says 12:20
